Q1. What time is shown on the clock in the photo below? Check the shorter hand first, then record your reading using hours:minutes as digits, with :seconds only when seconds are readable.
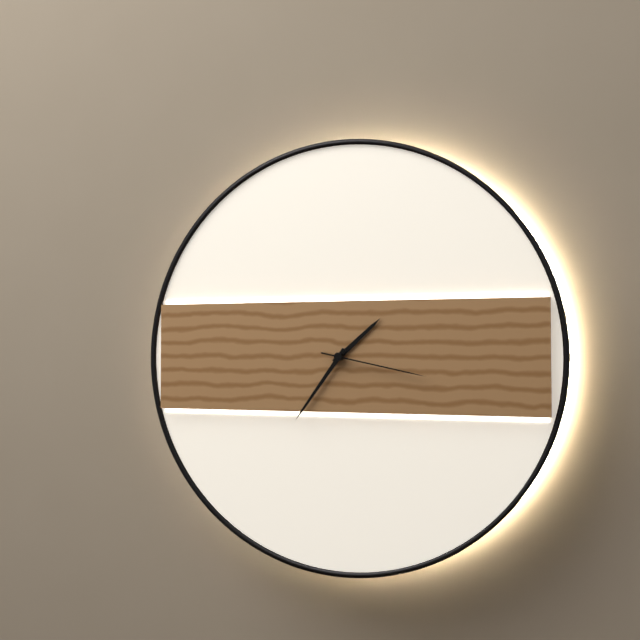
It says 1:36:17
